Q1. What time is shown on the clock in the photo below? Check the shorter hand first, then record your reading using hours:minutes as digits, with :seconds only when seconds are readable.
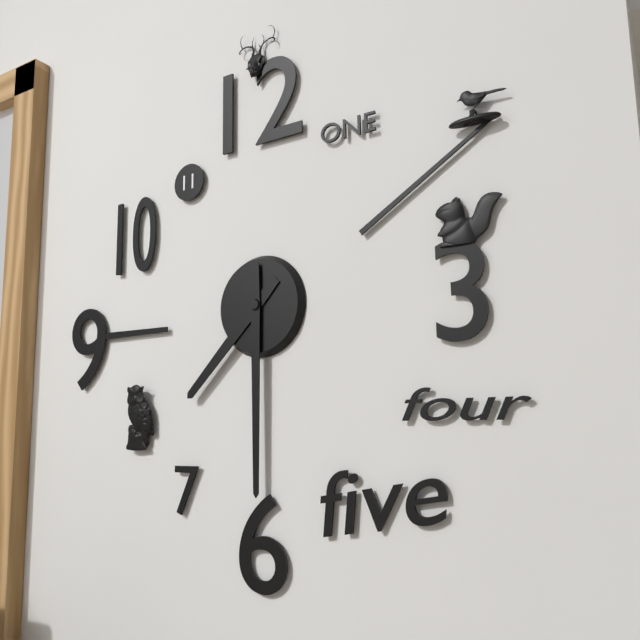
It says 7:30
